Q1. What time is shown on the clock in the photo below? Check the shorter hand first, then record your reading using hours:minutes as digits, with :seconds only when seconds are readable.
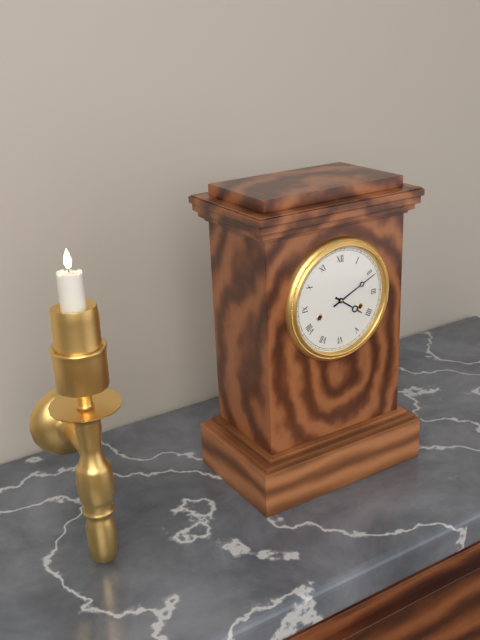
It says 4:11
